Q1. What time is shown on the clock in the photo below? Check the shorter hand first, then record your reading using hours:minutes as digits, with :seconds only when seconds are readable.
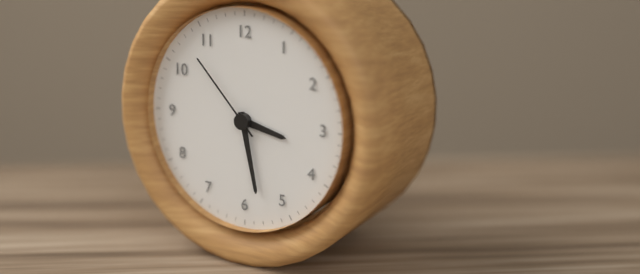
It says 3:28:53
